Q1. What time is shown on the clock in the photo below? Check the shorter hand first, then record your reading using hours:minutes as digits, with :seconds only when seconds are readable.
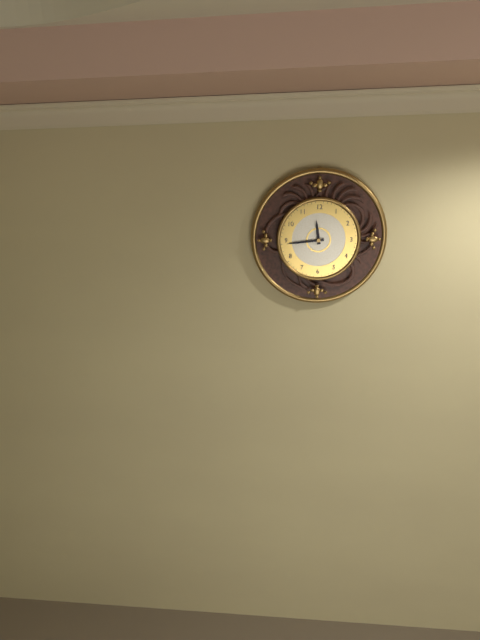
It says 11:44
